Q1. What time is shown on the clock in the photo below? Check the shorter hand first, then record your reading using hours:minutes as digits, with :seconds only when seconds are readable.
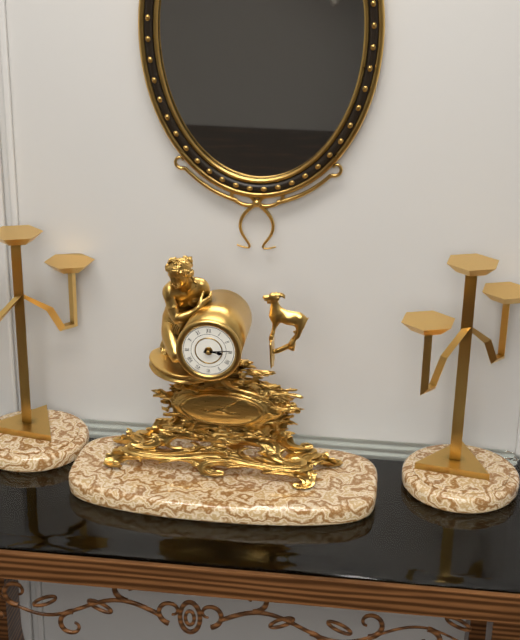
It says 3:14
